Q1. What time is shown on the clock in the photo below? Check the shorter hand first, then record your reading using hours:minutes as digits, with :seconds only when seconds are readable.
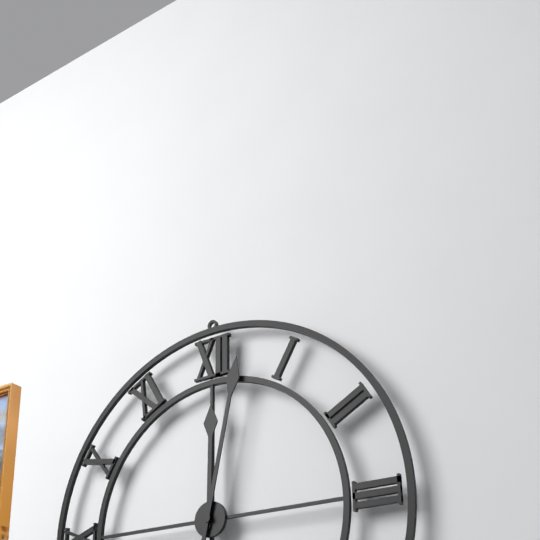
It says 12:02
